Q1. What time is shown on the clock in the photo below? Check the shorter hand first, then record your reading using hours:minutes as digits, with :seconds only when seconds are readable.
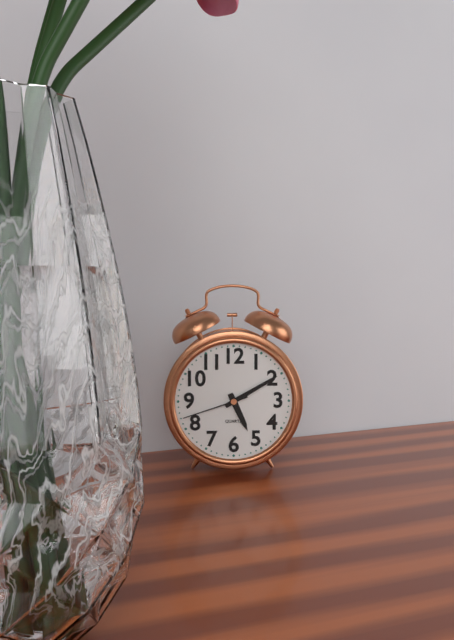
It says 5:10:42
